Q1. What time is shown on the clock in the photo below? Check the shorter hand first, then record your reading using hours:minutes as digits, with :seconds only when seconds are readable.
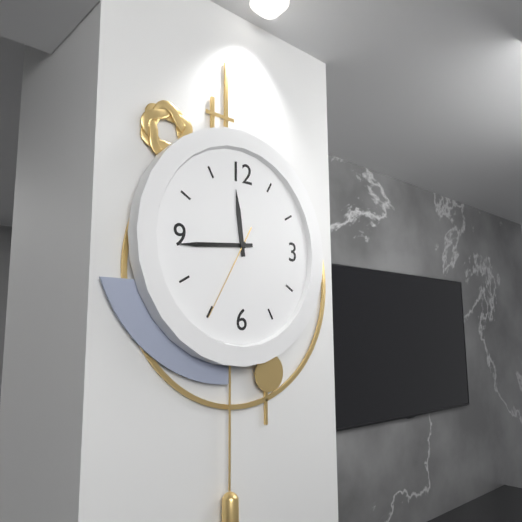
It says 11:44:35
